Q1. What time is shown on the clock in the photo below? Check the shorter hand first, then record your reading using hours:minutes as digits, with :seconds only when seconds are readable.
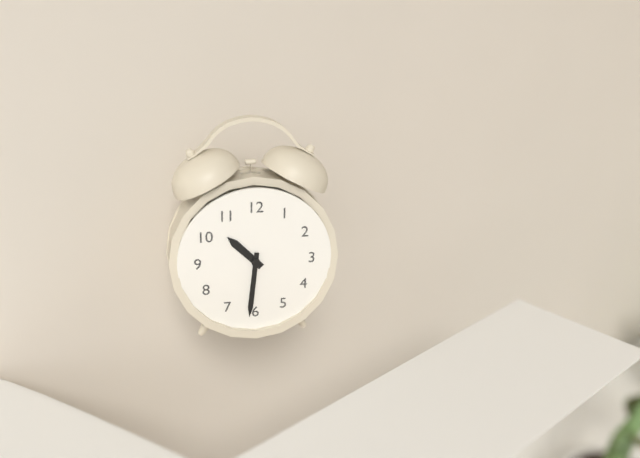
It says 10:31
